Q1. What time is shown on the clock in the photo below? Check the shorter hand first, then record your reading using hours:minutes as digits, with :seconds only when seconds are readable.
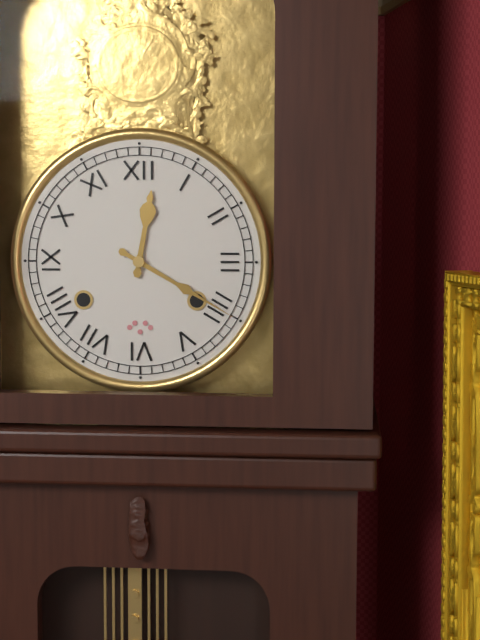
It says 12:20
